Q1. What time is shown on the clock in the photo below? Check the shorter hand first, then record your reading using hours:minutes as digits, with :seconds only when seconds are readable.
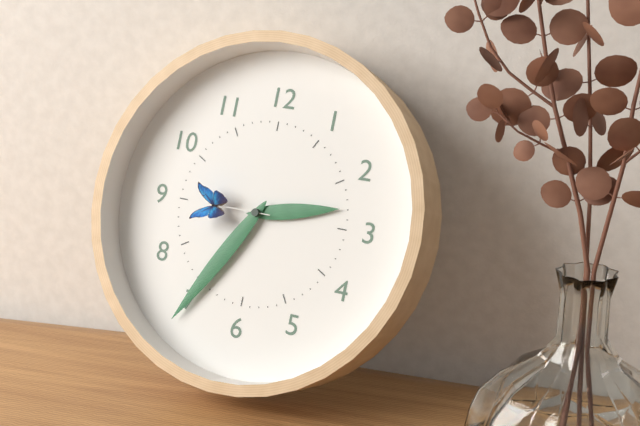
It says 2:35:45
